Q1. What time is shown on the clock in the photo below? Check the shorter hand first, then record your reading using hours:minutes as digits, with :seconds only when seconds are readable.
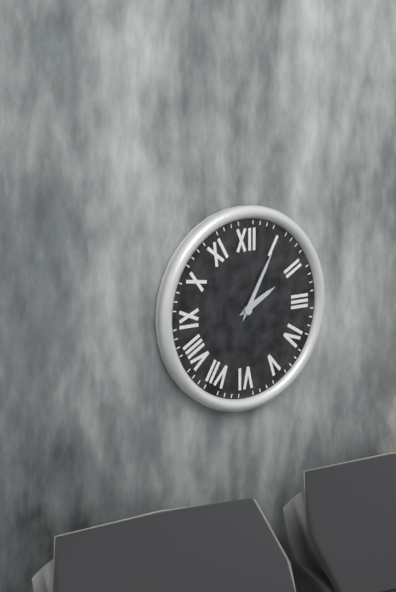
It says 2:05
